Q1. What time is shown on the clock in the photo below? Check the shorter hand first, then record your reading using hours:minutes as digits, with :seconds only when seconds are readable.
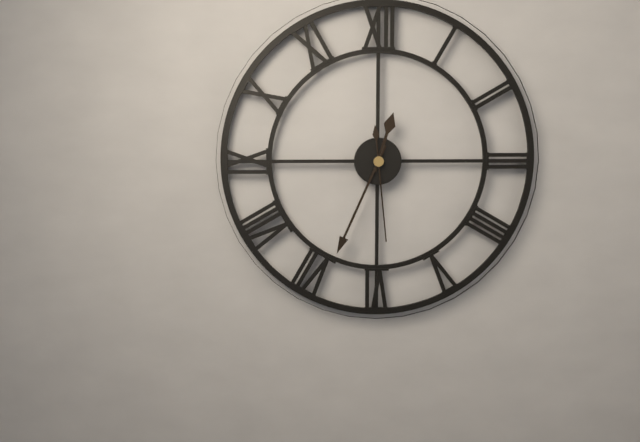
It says 12:34:29
